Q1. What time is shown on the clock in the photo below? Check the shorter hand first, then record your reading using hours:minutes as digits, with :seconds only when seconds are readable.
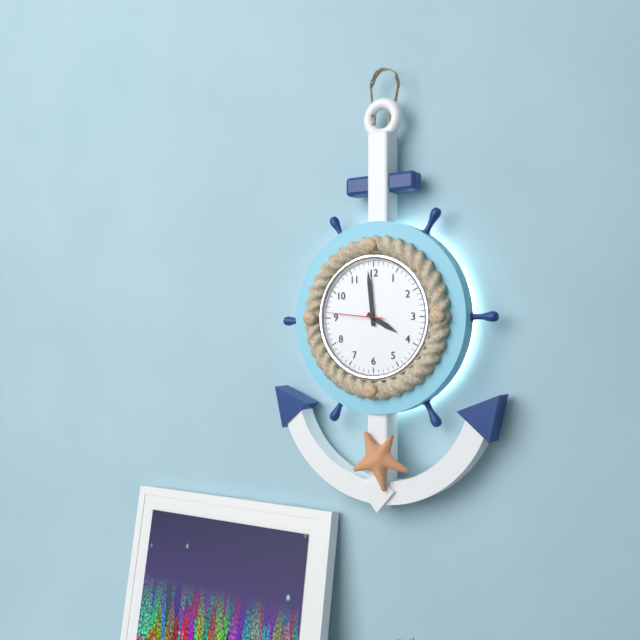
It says 3:59:46
